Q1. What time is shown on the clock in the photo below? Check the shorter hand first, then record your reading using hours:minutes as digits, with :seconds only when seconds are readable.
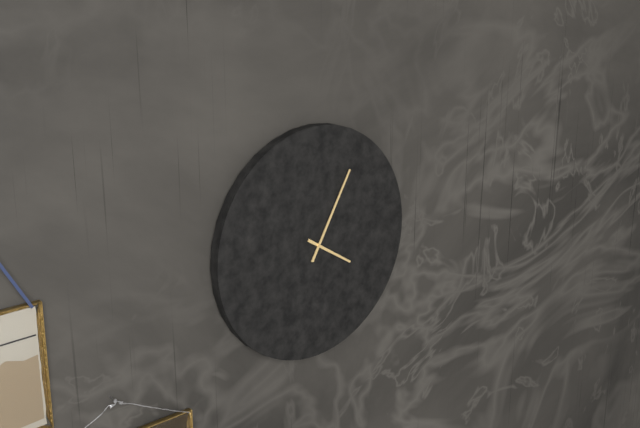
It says 4:05
